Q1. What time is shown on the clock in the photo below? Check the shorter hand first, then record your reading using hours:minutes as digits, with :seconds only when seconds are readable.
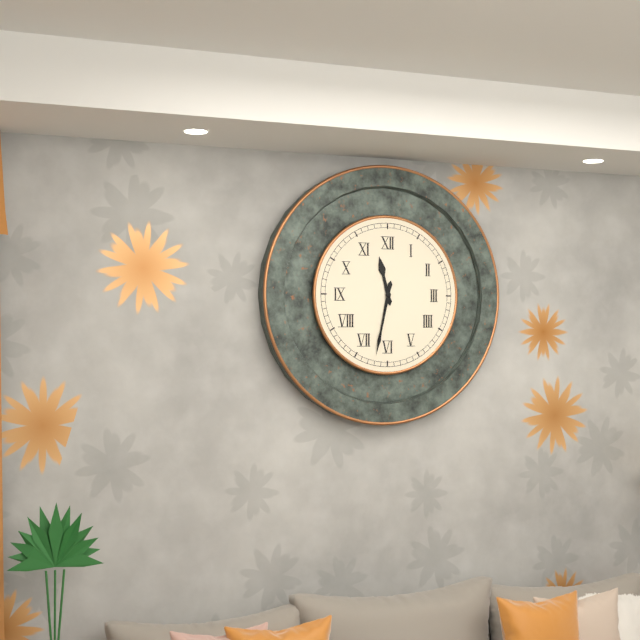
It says 11:32
